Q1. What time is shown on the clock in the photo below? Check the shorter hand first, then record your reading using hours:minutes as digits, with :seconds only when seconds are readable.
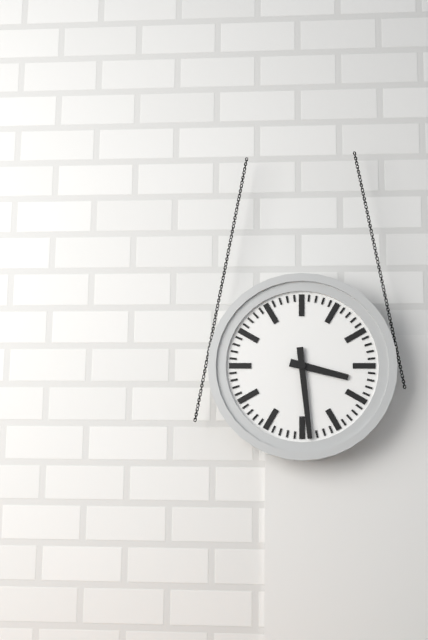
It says 3:29
